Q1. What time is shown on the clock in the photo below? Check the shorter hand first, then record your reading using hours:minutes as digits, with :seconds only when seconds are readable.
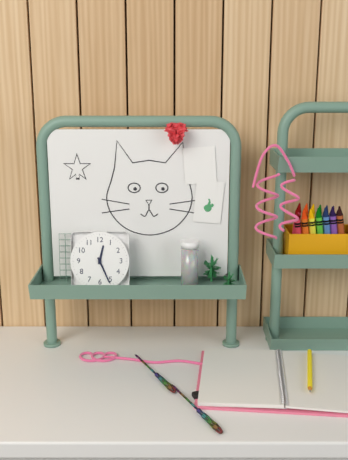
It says 12:26
